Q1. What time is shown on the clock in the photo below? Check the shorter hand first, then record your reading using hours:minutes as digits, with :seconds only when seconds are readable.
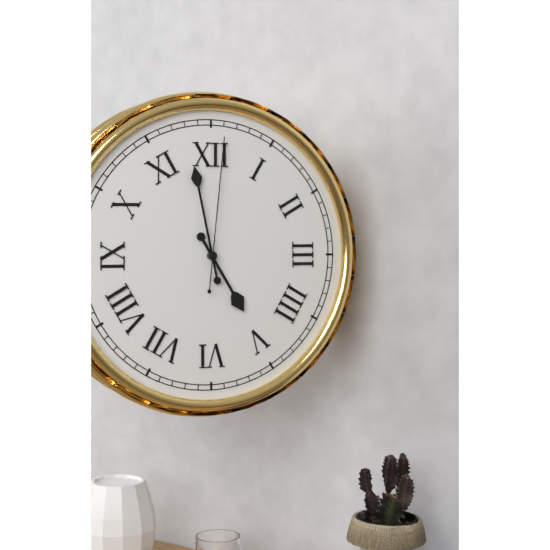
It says 4:58:01
